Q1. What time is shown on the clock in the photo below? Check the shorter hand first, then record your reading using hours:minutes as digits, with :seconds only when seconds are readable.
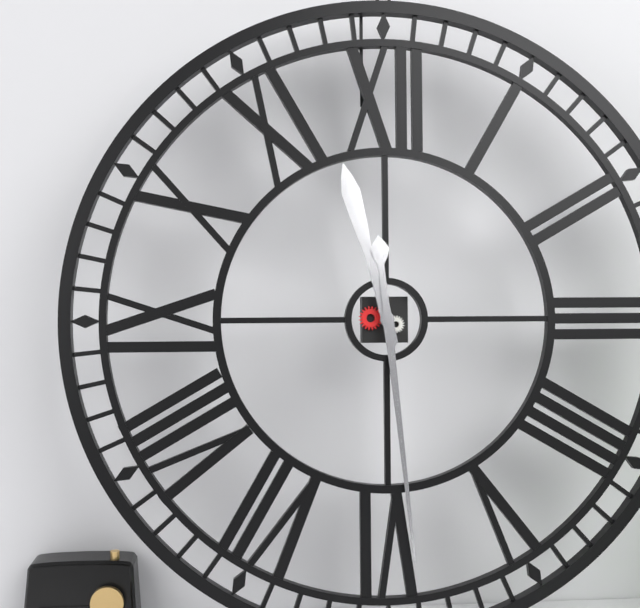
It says 11:29
